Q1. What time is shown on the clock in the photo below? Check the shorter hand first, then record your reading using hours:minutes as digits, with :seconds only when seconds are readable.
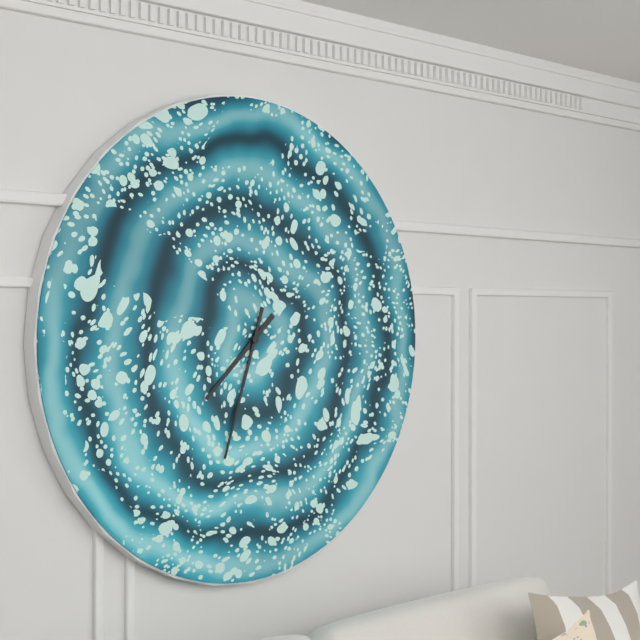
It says 7:33
